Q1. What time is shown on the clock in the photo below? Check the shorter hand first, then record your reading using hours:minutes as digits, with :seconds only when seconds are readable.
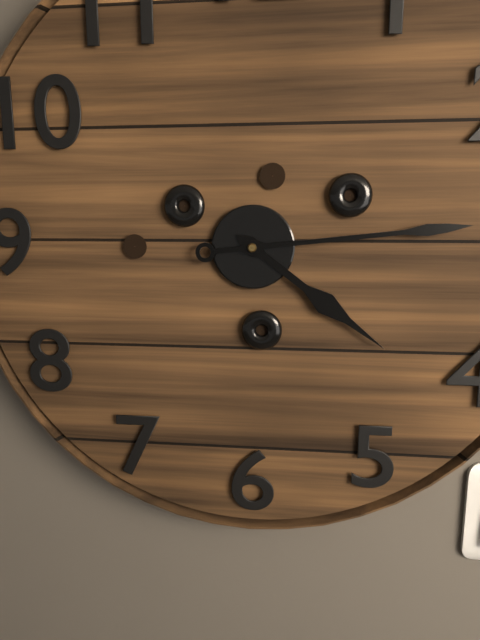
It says 4:14
